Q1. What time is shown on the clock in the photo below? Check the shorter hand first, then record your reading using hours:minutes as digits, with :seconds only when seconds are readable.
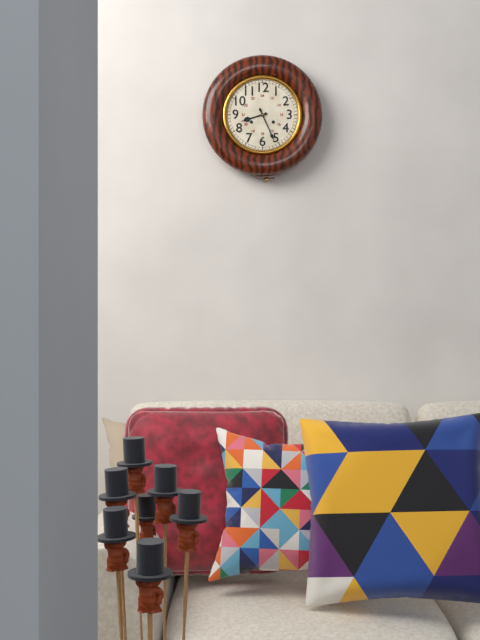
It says 8:26
